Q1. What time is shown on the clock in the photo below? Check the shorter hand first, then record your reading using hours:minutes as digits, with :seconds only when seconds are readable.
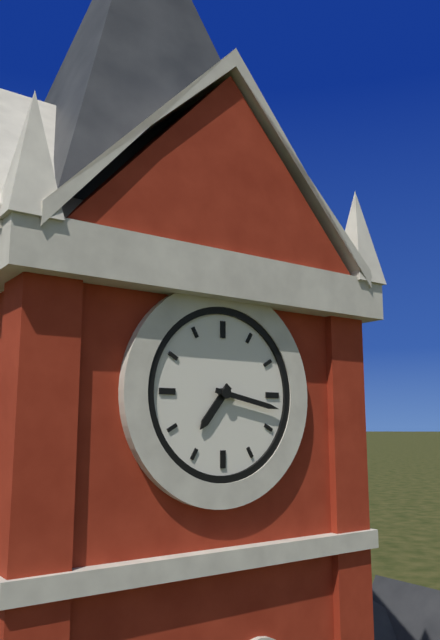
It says 7:17
